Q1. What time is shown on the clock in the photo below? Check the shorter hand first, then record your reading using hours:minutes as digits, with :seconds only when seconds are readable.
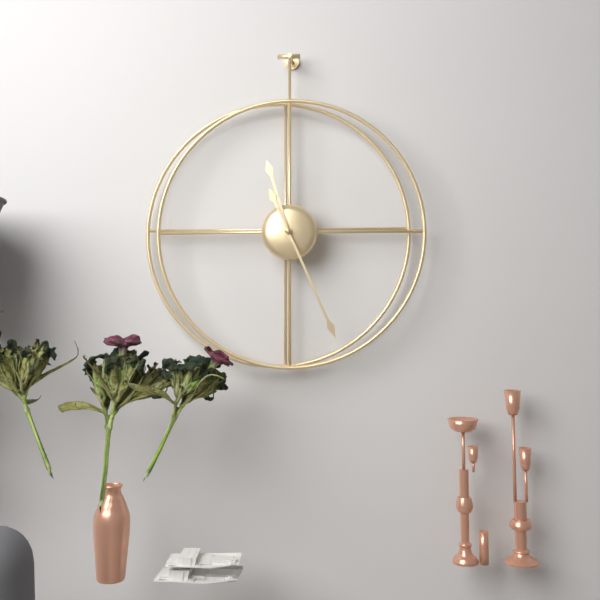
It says 11:26
